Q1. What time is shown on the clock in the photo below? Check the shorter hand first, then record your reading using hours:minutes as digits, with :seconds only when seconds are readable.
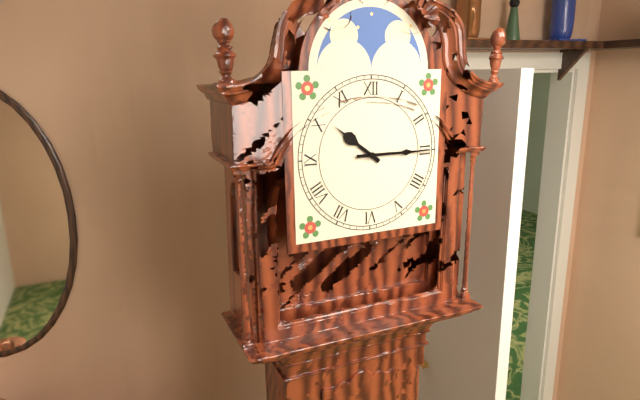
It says 10:15
